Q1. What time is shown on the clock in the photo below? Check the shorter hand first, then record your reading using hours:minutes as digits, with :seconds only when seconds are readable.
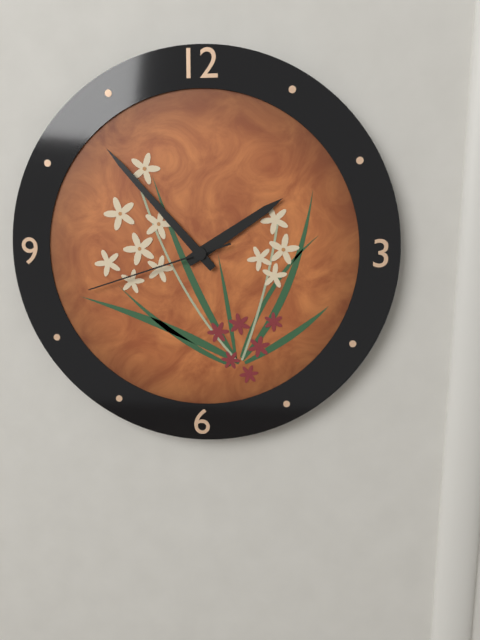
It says 1:53:42
